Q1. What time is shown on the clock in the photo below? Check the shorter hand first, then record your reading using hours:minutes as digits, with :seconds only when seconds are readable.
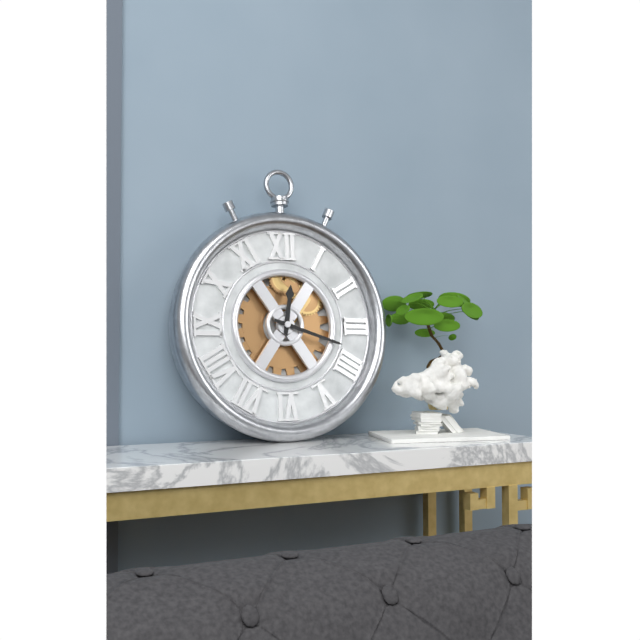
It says 12:18
